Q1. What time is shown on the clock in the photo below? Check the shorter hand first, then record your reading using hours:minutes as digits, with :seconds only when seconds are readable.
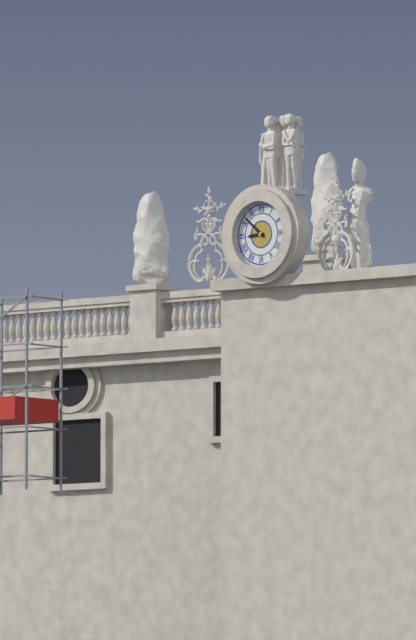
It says 8:52
